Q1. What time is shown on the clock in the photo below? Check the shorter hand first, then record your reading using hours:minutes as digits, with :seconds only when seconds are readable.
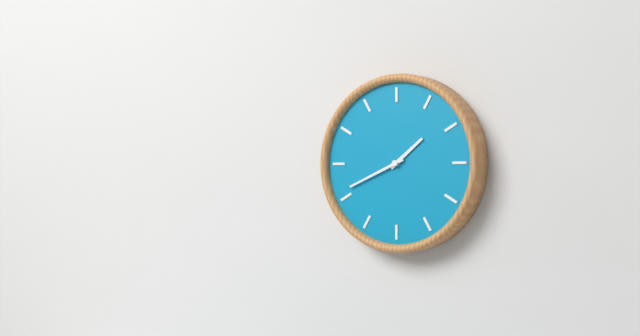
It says 1:41
